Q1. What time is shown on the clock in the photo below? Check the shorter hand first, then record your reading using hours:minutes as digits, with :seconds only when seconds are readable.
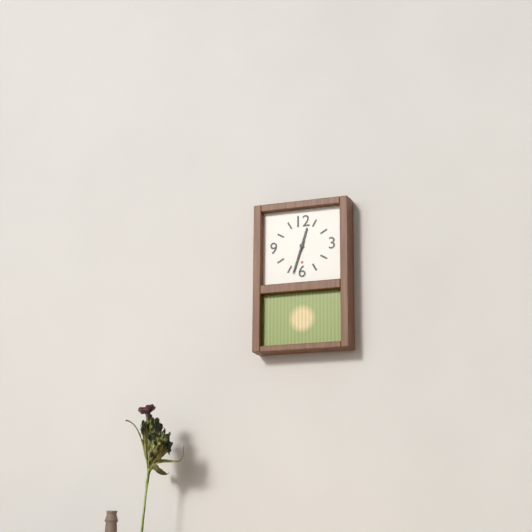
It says 12:33
